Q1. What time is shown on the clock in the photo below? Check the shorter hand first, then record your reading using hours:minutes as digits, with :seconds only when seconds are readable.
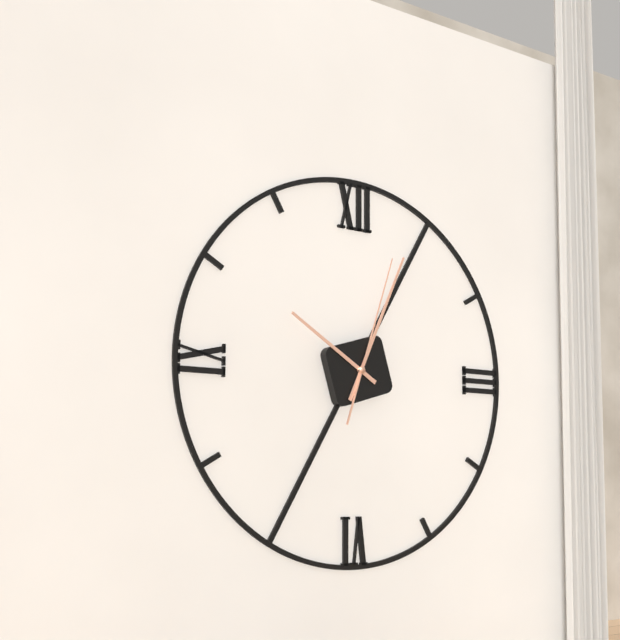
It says 10:04:03
